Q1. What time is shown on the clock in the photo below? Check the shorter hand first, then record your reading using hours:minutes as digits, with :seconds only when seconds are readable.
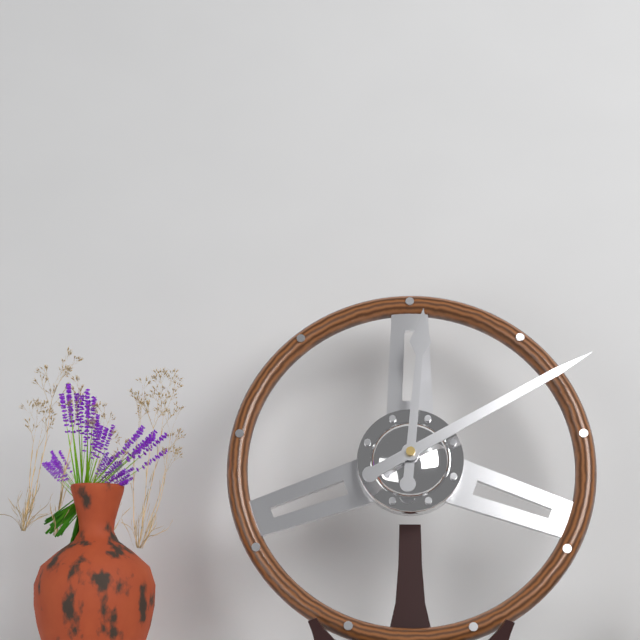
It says 12:10
